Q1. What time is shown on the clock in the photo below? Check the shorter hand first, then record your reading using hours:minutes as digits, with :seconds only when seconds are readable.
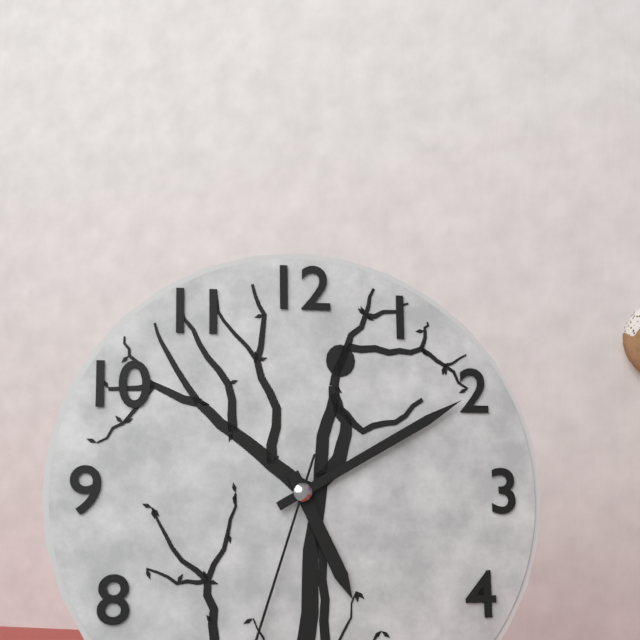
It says 5:10
